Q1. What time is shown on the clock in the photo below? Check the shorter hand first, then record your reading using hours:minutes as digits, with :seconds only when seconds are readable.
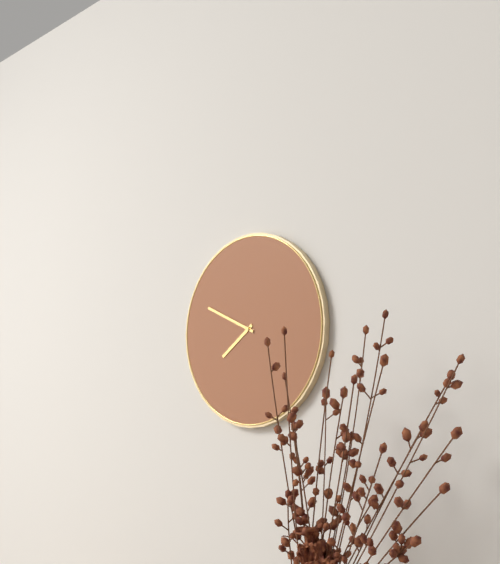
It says 7:49
